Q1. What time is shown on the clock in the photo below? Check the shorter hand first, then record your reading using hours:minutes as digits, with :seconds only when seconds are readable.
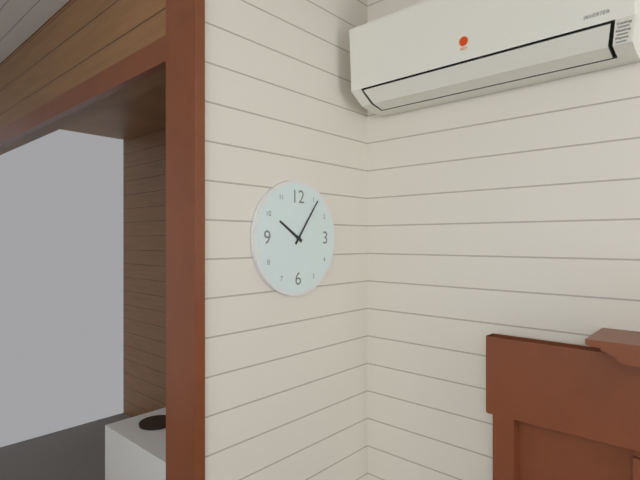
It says 10:06
